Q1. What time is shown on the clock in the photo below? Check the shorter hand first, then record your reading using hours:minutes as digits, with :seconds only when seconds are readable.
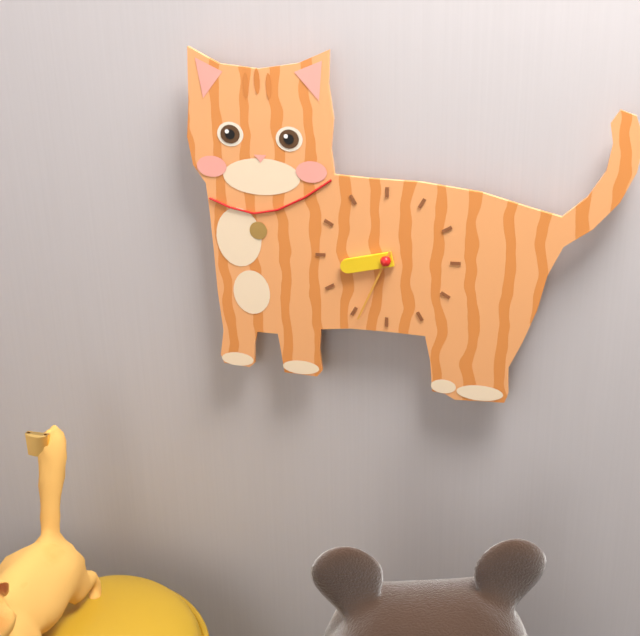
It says 8:34
